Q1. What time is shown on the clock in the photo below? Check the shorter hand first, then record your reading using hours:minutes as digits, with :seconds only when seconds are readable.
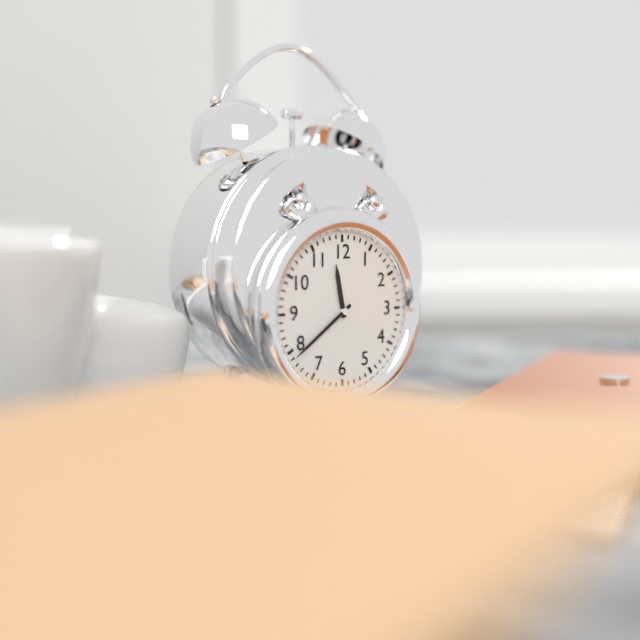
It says 11:39
